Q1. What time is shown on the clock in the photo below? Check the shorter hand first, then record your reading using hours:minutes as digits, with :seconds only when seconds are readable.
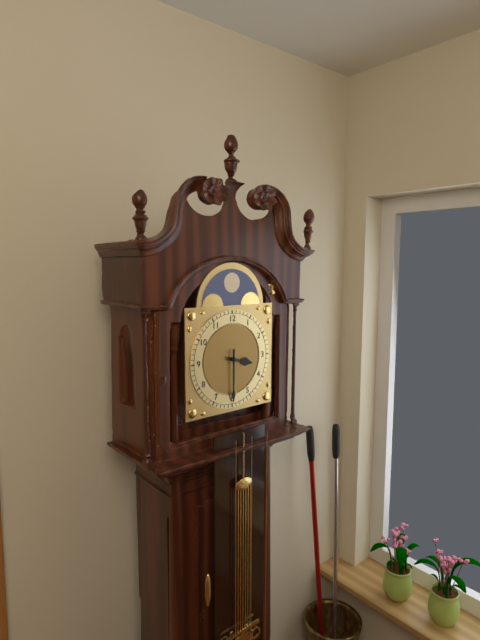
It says 3:30
